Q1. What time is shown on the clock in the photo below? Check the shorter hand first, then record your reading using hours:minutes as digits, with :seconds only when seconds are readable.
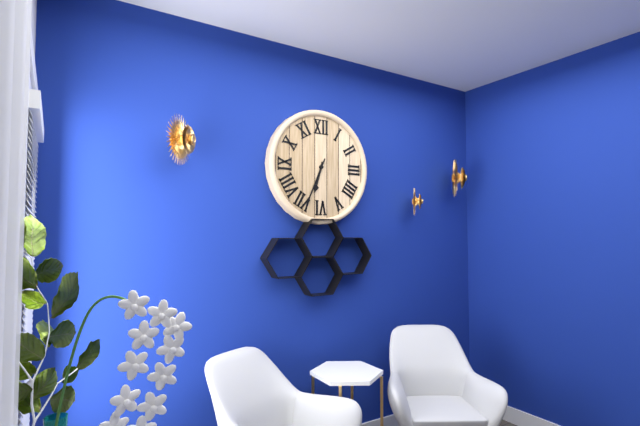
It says 6:34
